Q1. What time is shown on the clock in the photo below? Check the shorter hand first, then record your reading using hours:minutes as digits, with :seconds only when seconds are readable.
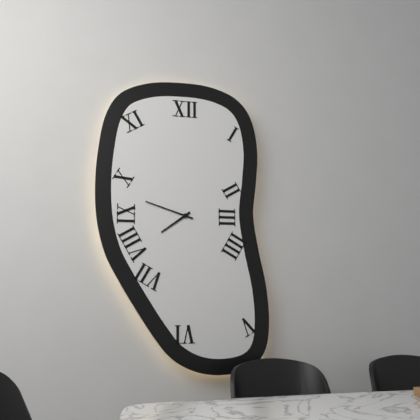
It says 7:48
